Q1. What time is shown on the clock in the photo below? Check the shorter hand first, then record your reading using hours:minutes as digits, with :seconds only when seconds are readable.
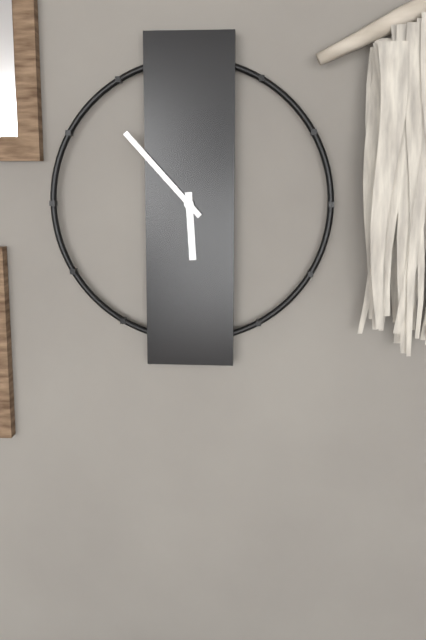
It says 5:53
